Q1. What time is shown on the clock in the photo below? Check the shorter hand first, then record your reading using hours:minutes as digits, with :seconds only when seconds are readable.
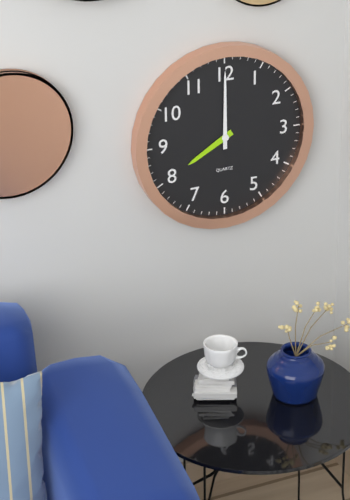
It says 8:00
